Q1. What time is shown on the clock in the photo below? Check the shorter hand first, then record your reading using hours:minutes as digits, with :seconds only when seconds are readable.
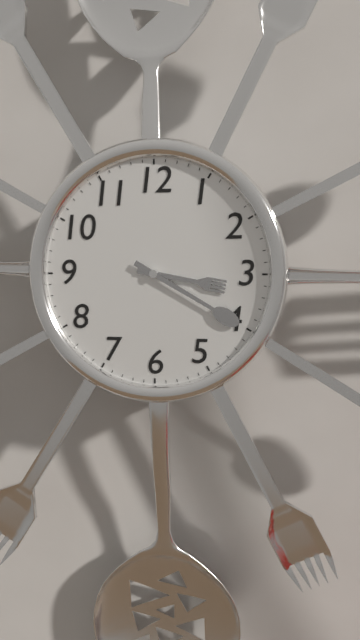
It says 3:20
